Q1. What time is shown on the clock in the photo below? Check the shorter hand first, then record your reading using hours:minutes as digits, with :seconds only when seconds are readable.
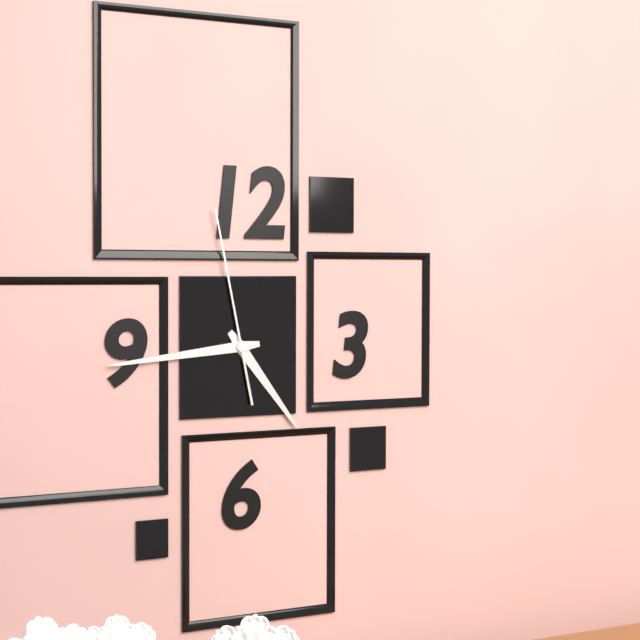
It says 4:44:58
